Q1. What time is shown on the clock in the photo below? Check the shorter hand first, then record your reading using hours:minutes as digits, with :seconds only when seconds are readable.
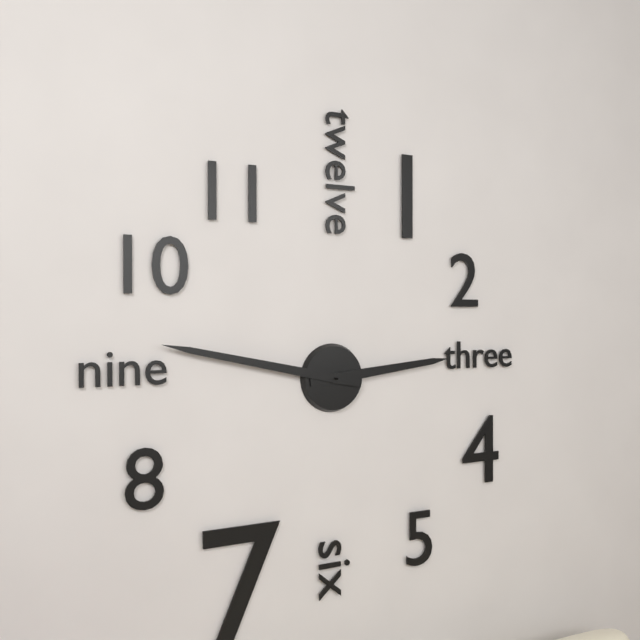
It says 2:47
